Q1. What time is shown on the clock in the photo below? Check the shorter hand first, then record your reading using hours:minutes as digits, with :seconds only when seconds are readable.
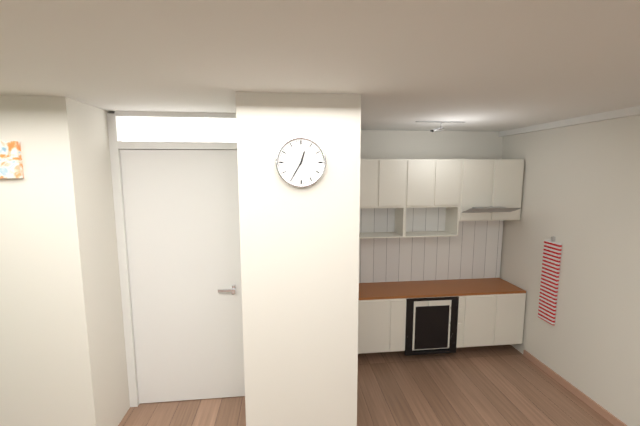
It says 12:35
